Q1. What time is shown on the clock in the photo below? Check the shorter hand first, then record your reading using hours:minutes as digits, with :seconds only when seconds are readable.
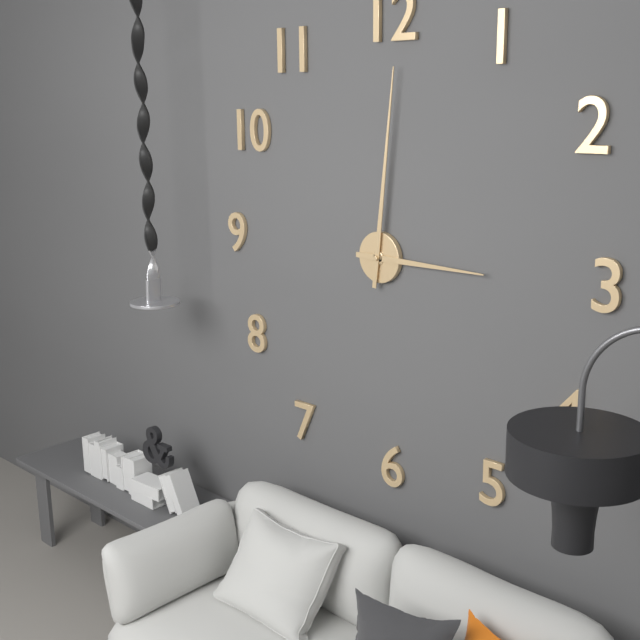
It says 3:01
